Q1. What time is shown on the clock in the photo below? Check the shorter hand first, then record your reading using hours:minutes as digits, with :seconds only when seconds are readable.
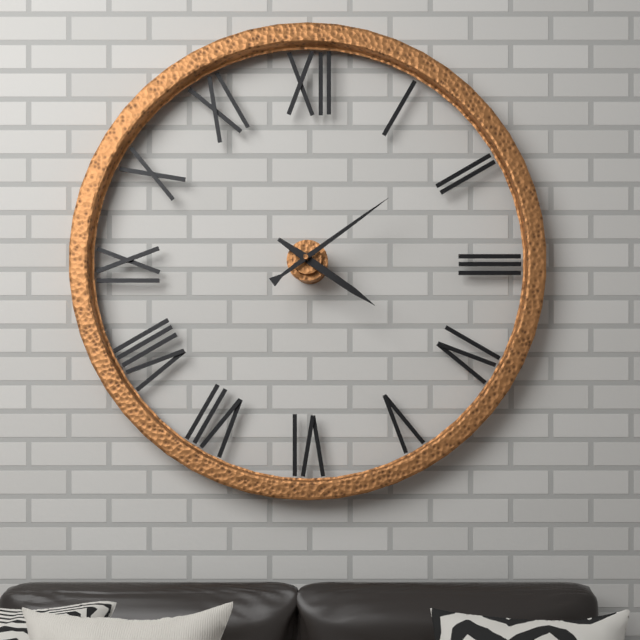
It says 4:09
